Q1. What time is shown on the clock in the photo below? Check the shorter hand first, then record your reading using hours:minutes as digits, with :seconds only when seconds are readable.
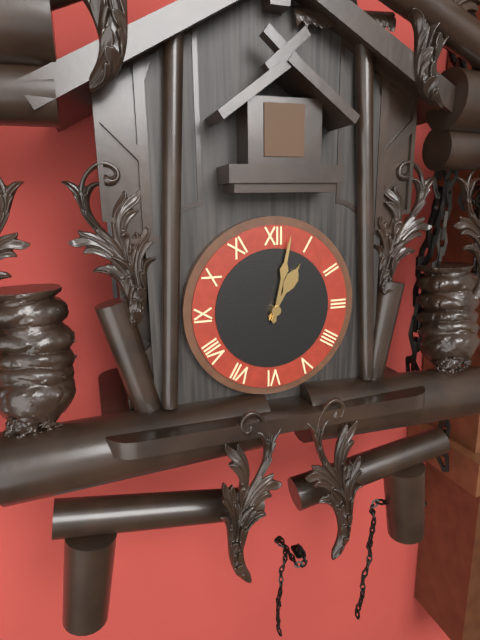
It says 1:02
